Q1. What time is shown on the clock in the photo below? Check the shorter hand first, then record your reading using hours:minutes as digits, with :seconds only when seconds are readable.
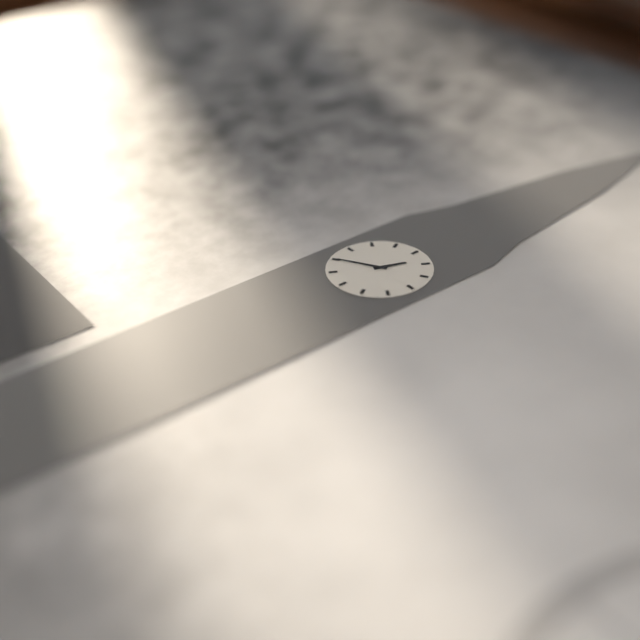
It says 12:40
